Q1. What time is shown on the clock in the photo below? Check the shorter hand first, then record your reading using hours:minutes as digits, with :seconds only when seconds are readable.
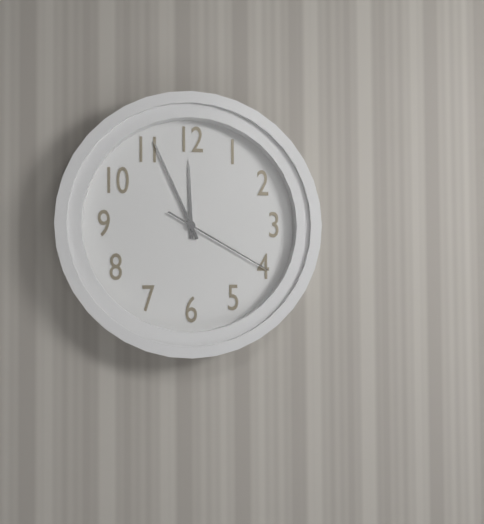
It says 11:56:20
